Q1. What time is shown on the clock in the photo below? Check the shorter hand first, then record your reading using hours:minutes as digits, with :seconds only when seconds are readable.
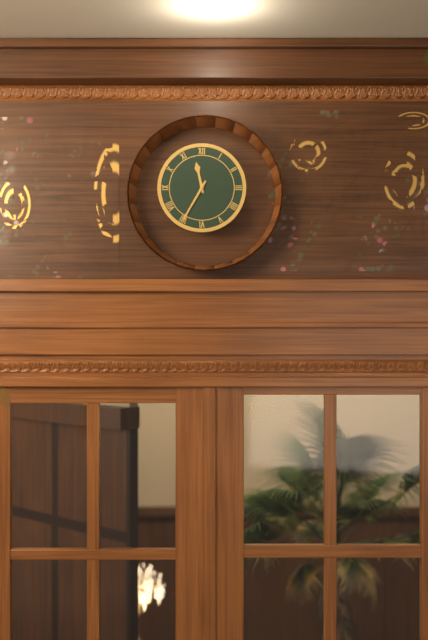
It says 11:35
